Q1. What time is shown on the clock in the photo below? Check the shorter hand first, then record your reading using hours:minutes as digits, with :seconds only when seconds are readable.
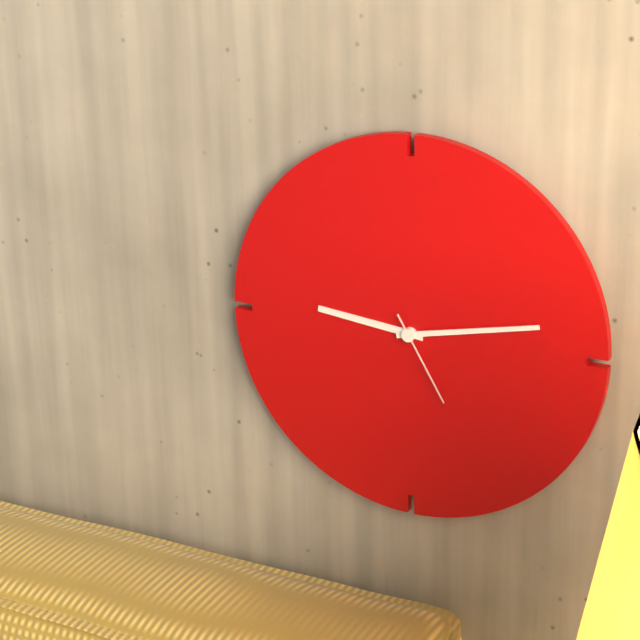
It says 9:13:25
